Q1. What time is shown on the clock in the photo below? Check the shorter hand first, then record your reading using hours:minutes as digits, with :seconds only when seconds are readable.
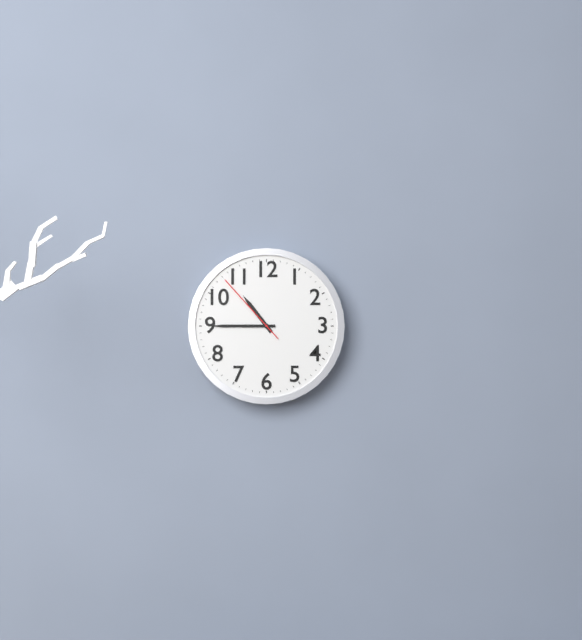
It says 10:45:53
